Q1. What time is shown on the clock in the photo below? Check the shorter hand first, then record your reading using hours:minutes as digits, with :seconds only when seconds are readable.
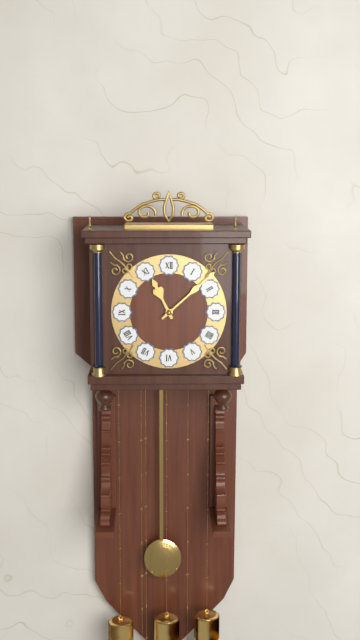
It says 11:08
